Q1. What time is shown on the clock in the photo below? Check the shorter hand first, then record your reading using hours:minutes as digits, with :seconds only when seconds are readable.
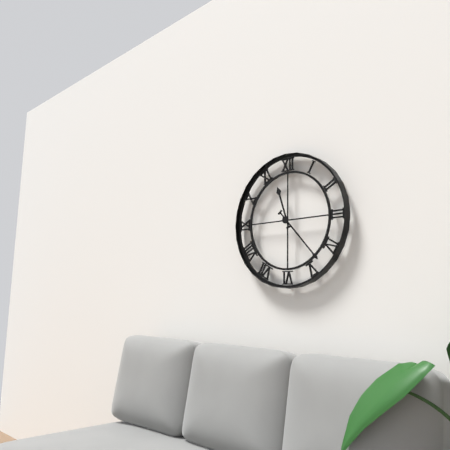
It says 11:23
